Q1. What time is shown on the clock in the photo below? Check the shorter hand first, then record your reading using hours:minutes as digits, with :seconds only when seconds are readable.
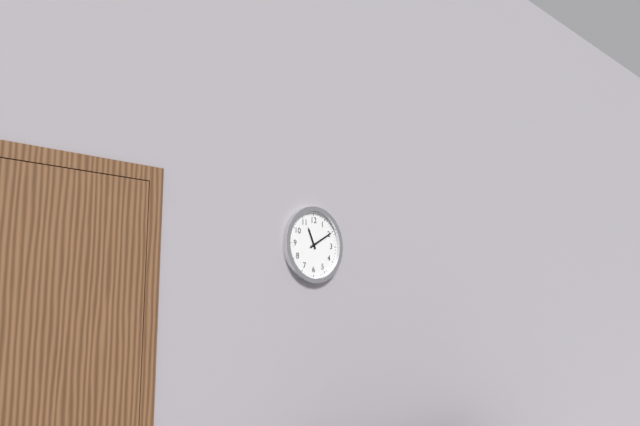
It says 11:10
